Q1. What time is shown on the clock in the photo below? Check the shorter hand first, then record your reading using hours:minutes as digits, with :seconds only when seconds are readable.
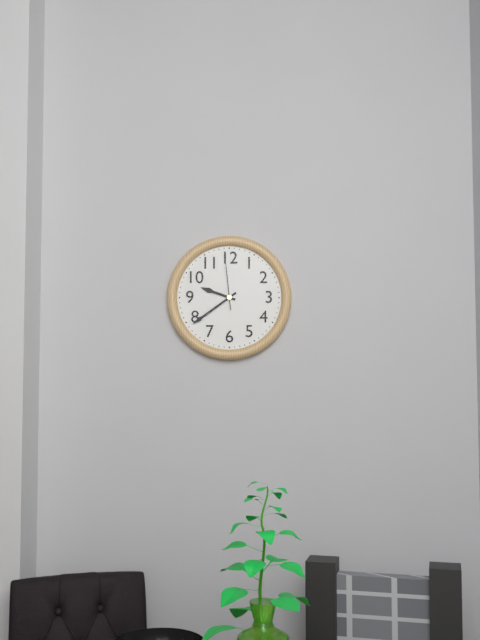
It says 9:39:59
